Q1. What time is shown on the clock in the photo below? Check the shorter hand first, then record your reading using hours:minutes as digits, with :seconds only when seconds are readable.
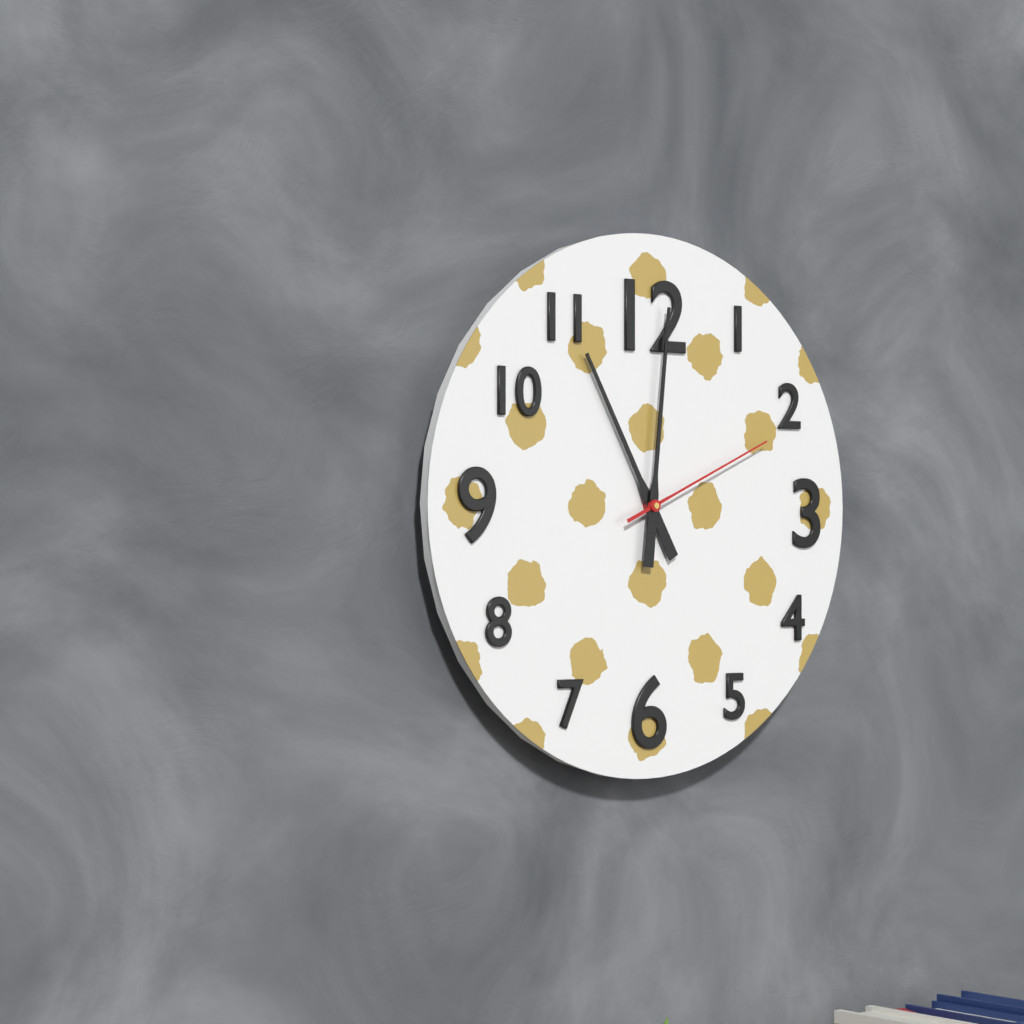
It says 11:01:11
